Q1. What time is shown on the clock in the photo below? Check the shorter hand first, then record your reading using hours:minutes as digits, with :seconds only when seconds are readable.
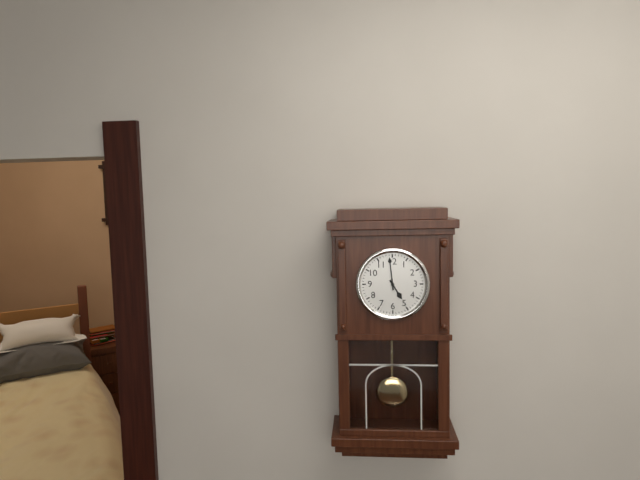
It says 4:59
